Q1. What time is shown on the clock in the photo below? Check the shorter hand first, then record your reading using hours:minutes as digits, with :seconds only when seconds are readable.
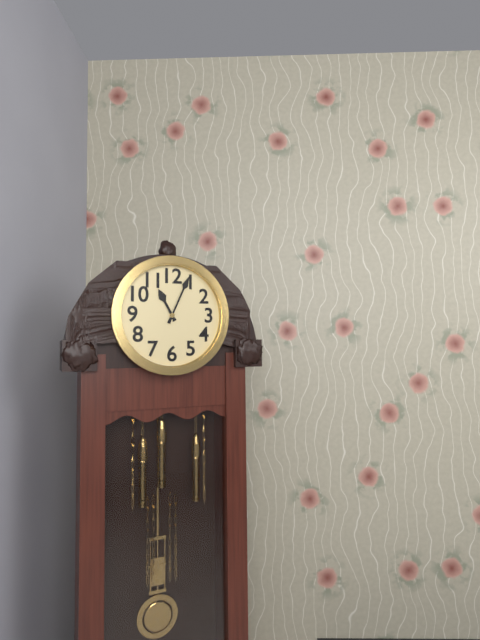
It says 11:04
